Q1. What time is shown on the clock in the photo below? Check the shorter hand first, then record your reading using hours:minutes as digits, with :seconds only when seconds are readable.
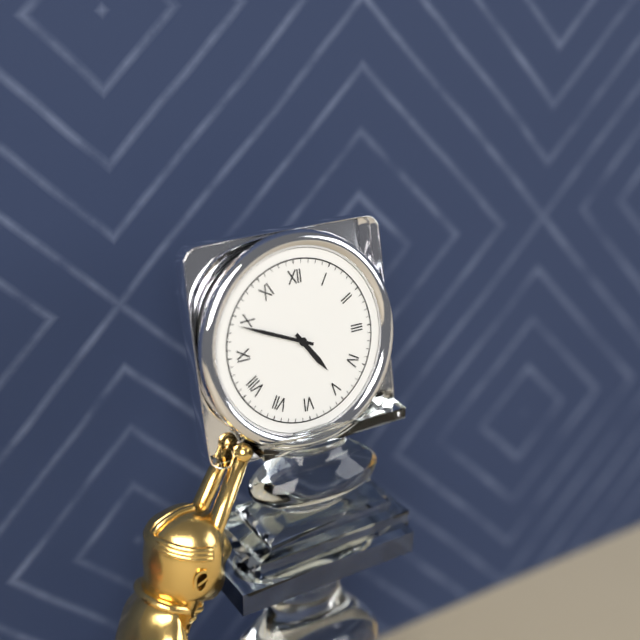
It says 4:49
